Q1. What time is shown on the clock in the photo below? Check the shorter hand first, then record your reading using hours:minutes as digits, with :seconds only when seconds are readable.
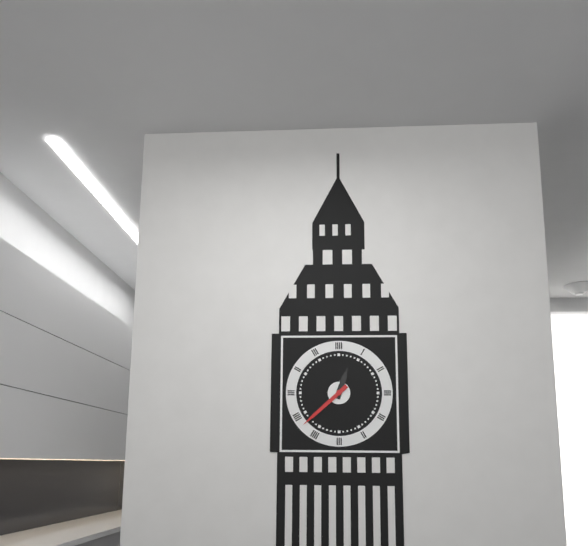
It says 12:38
